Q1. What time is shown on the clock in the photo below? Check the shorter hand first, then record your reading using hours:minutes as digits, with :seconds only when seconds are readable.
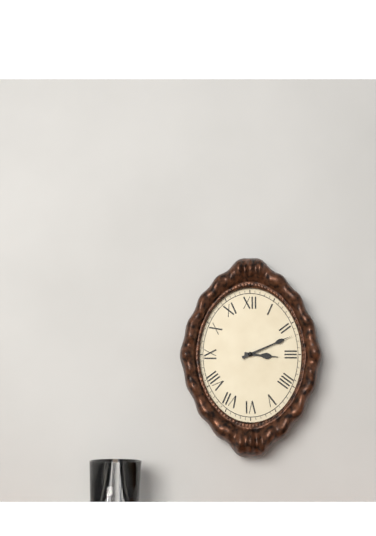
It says 3:11
